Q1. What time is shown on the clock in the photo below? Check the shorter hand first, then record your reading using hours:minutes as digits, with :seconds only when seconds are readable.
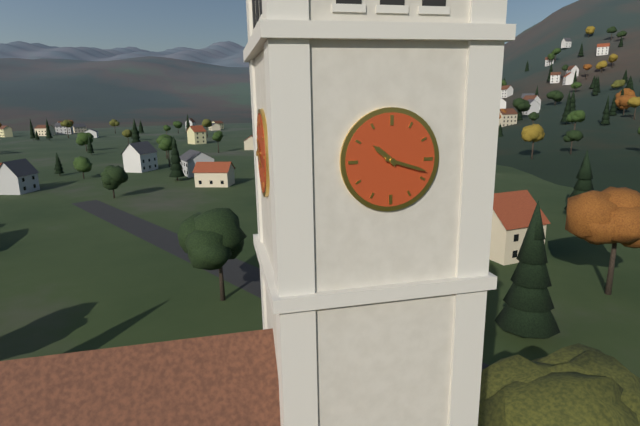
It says 10:18
